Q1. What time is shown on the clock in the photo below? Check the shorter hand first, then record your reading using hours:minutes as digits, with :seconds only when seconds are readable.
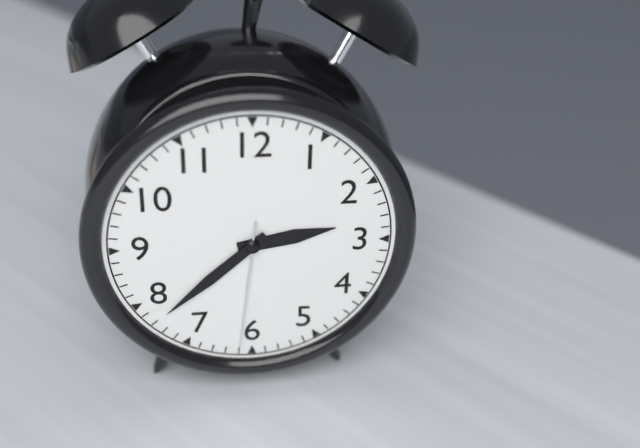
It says 2:38:31
